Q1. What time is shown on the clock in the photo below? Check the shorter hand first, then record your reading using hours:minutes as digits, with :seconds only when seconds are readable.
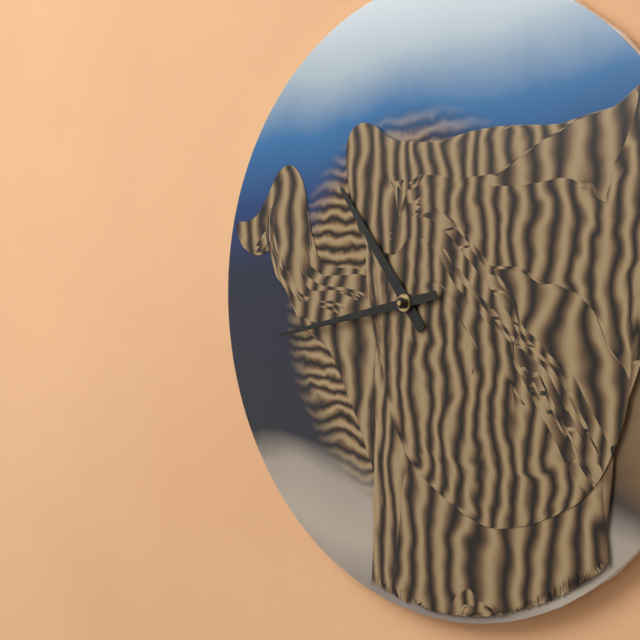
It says 10:43
